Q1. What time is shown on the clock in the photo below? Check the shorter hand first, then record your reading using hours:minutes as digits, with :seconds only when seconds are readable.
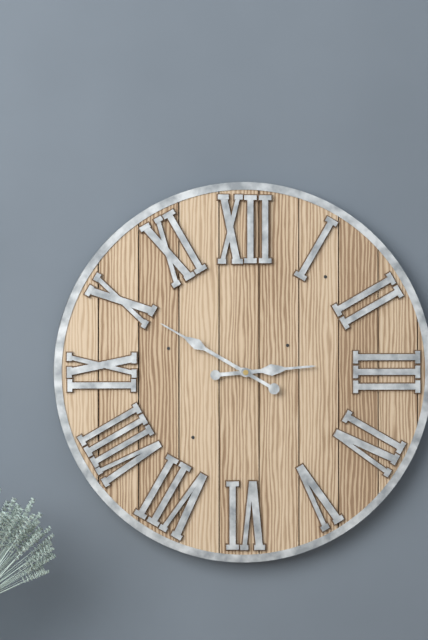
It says 2:50
